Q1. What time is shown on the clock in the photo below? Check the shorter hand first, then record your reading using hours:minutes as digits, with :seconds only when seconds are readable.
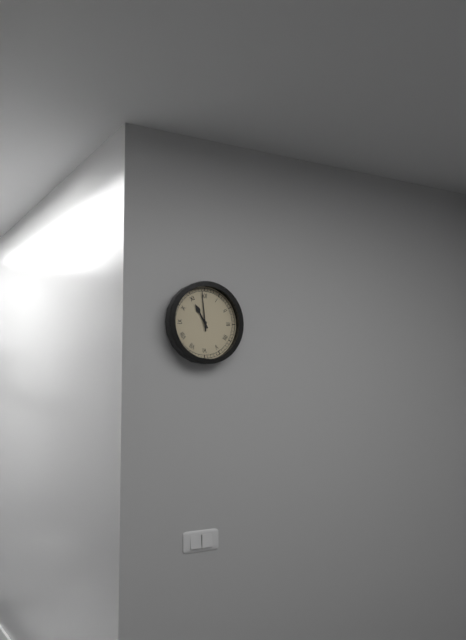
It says 10:59
